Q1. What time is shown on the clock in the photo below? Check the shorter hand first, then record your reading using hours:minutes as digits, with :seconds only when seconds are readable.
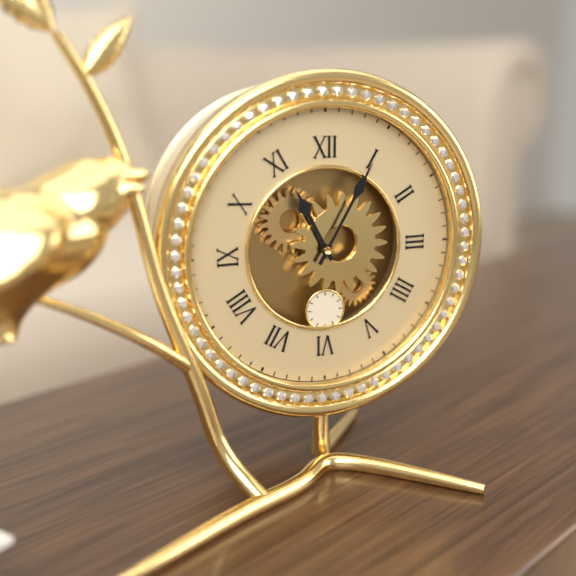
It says 11:05
